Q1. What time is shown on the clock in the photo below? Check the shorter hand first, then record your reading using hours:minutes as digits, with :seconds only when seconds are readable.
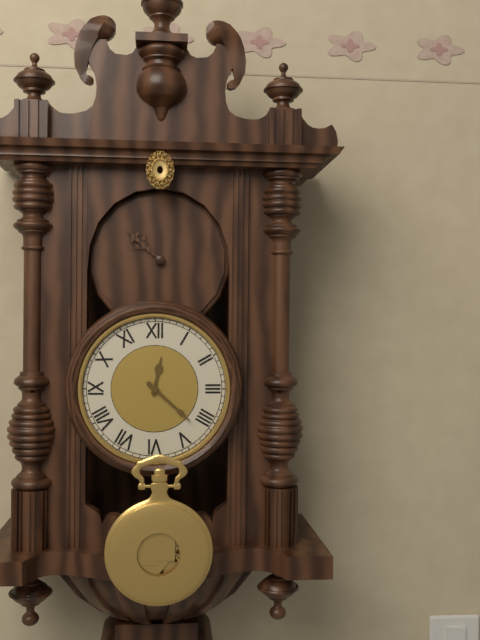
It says 12:22
